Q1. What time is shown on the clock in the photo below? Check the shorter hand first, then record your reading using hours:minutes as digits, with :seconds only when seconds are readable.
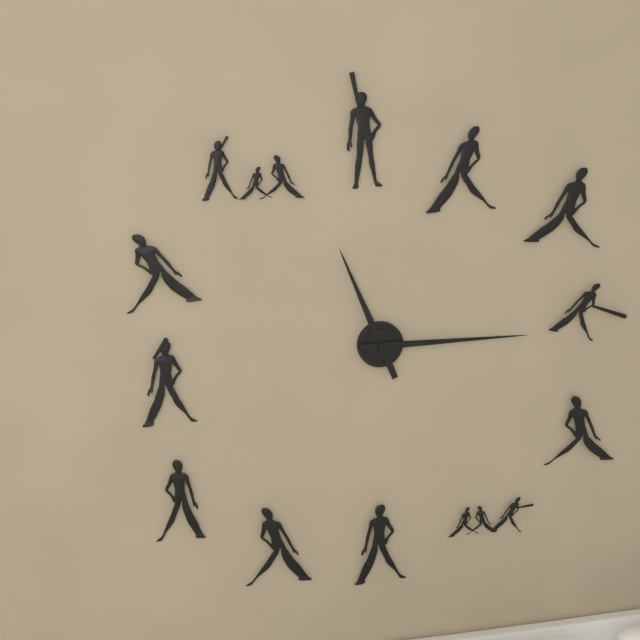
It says 11:15
